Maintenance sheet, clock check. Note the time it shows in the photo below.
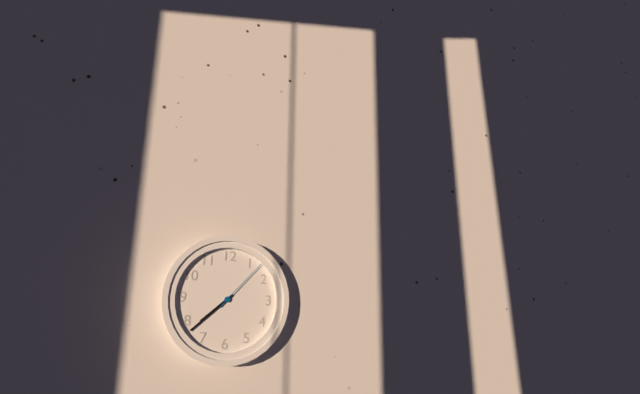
7:38:07
